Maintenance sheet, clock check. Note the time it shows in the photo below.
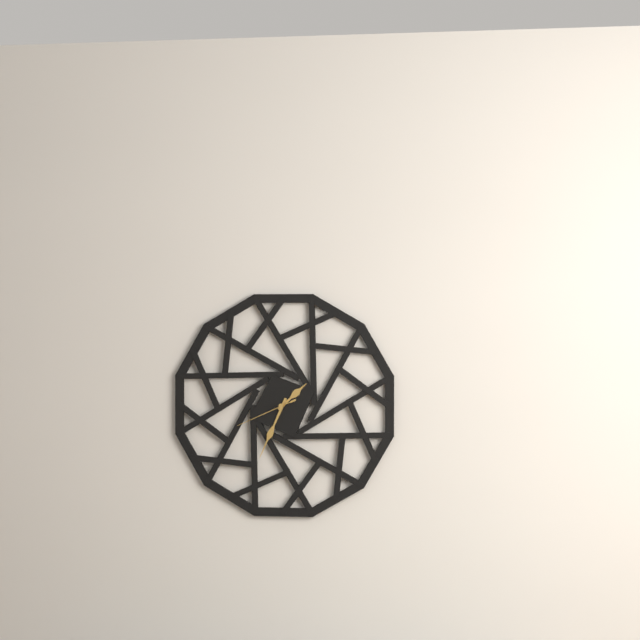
1:34:41
